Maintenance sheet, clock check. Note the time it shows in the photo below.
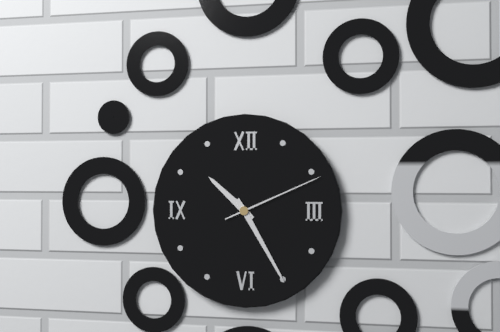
10:25:11
